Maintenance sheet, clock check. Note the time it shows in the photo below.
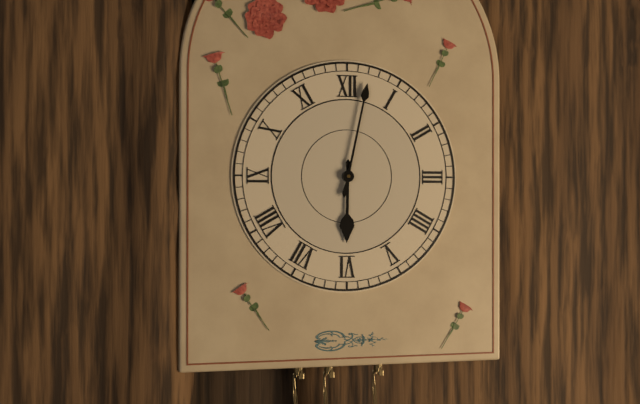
6:02
